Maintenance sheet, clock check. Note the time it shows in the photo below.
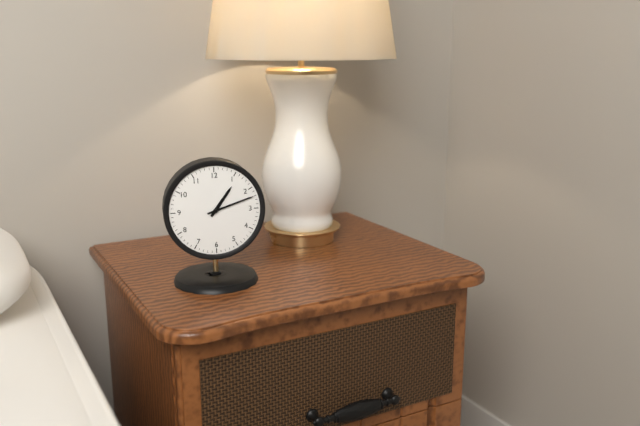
1:12
